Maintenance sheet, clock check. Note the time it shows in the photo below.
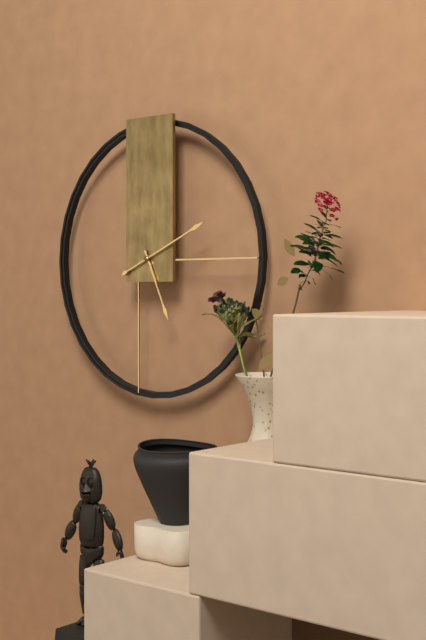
5:11
